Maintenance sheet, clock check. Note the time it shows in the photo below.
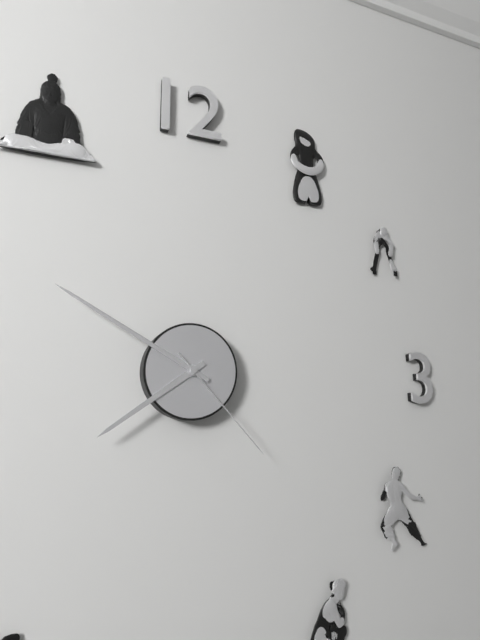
7:50:23
